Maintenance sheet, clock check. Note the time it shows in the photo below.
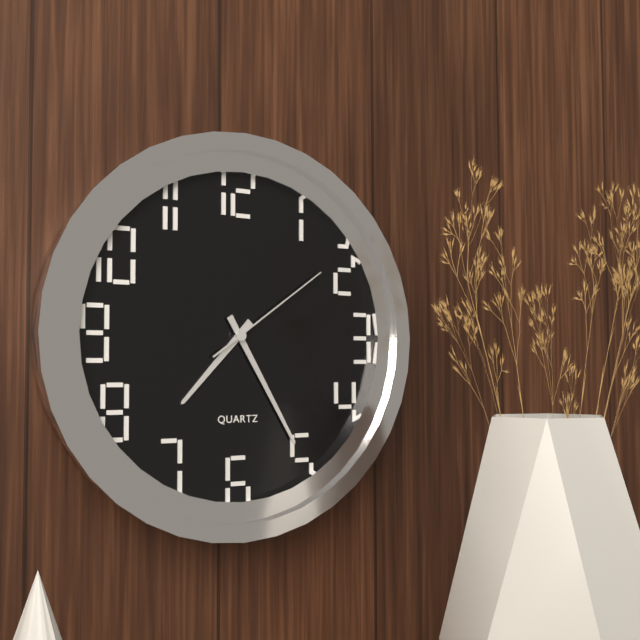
7:25:09
